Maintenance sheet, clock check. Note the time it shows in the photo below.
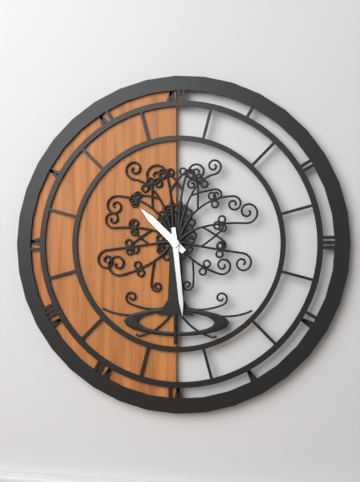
10:29
